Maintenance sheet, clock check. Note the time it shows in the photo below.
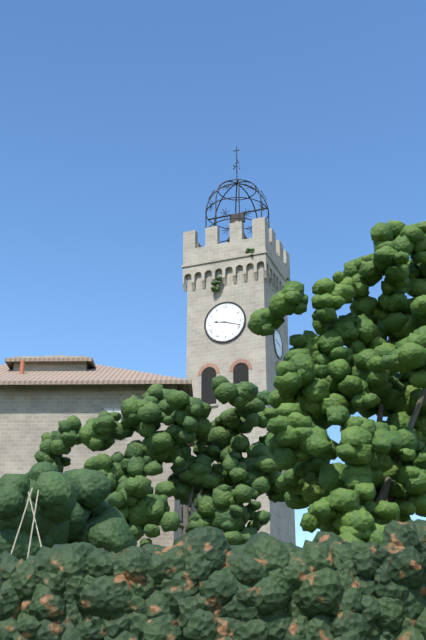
9:18
